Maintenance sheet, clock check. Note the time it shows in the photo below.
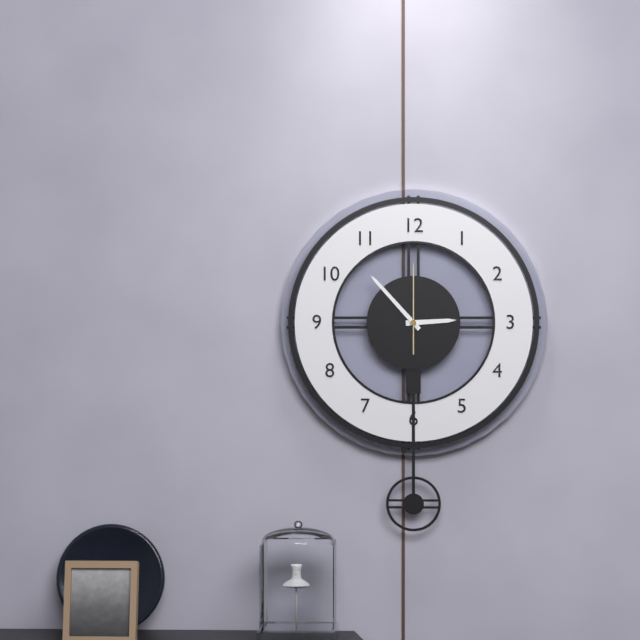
2:53:00
